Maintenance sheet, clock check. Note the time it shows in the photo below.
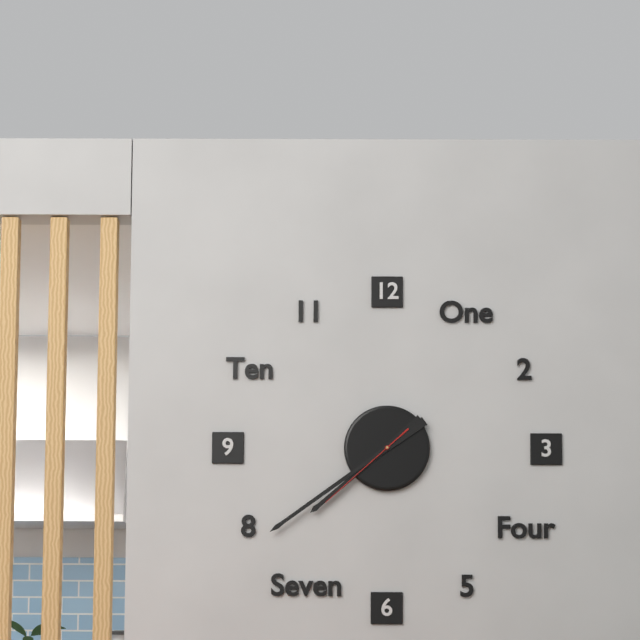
7:39:38
